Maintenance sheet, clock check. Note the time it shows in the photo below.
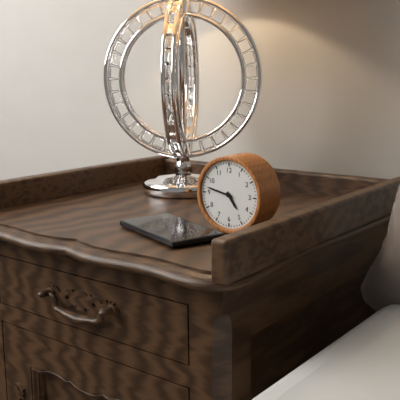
4:47
